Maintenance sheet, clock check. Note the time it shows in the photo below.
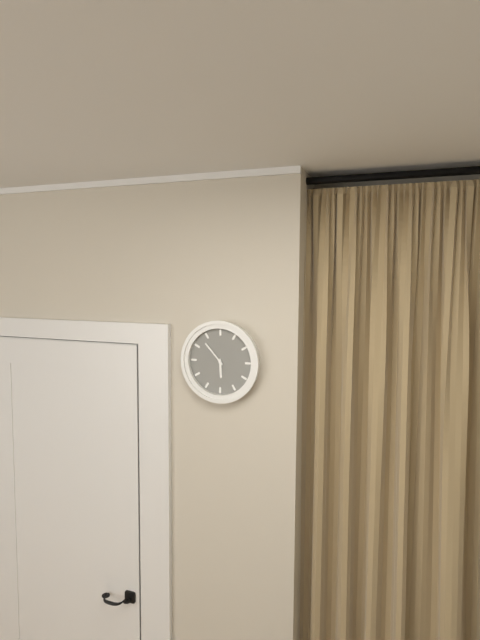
5:53
